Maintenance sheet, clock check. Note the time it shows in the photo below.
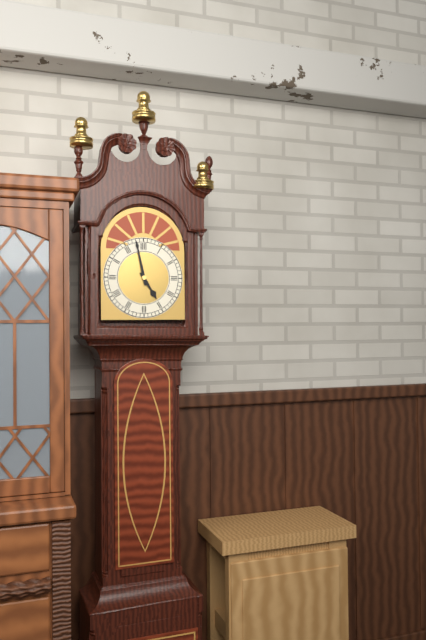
4:58
